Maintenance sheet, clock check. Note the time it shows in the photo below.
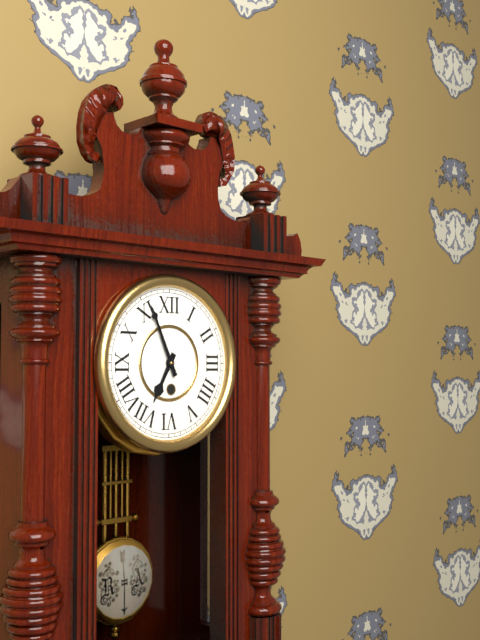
6:56
